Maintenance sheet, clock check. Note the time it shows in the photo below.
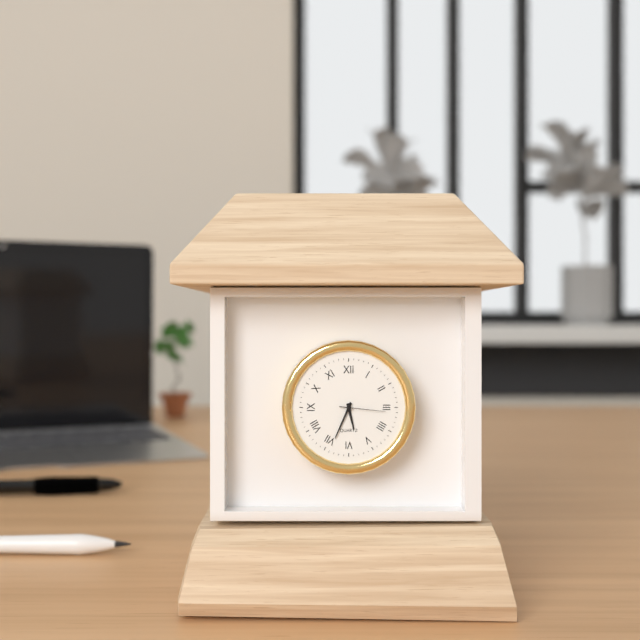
5:34
